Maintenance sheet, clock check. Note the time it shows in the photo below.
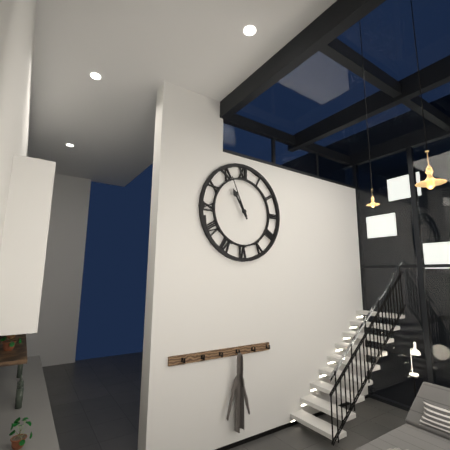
10:56
